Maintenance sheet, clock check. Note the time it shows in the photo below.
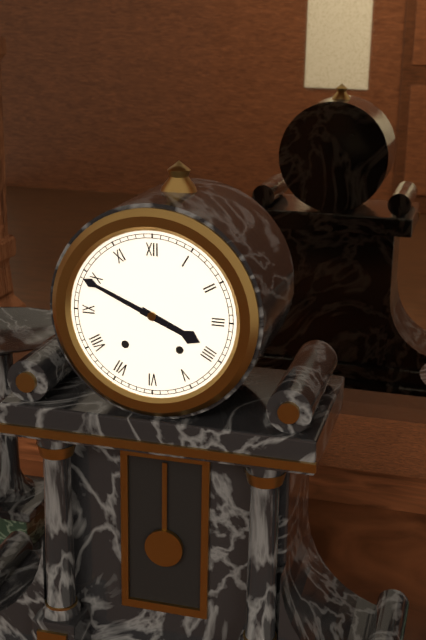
3:49
